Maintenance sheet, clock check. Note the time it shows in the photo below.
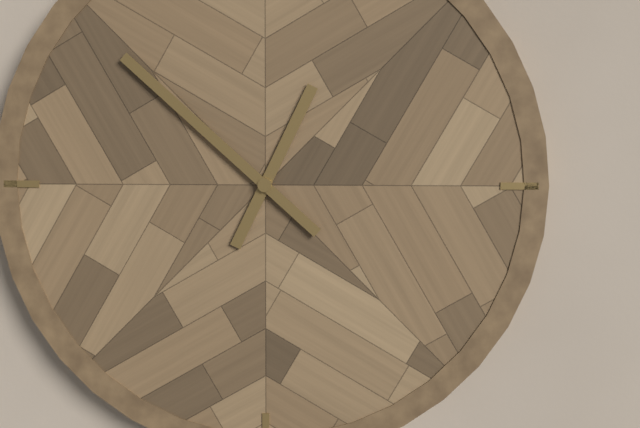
12:52
